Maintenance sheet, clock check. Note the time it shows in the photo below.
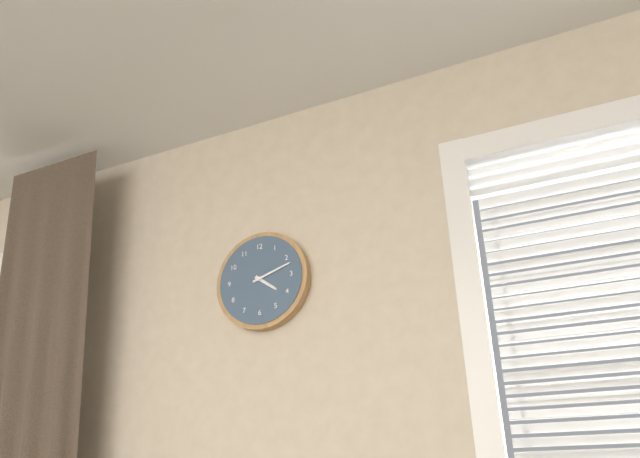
4:12
